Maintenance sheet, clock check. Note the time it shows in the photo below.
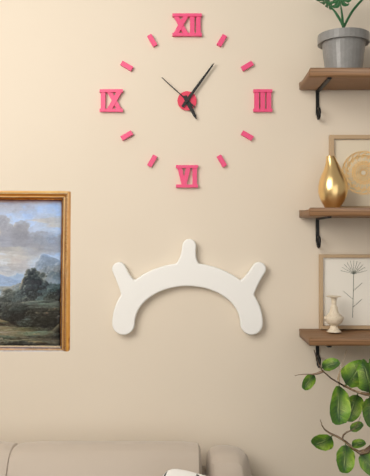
5:06
